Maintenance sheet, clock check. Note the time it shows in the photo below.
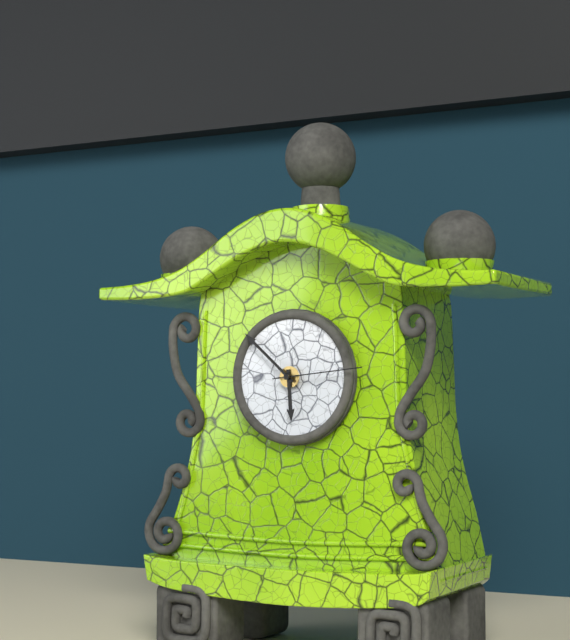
5:52:14
